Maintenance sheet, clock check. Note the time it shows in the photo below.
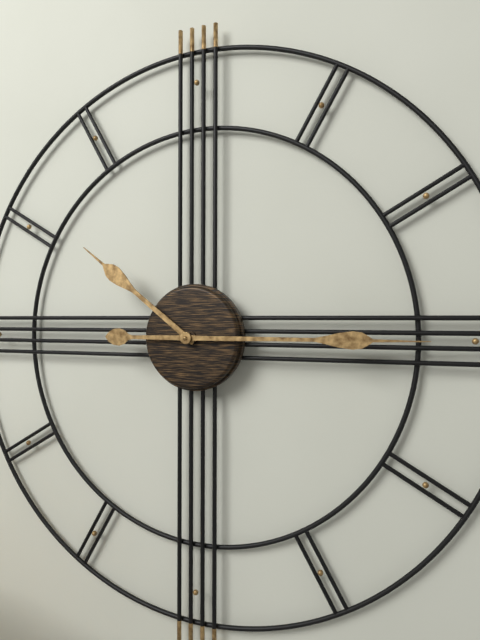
10:15
